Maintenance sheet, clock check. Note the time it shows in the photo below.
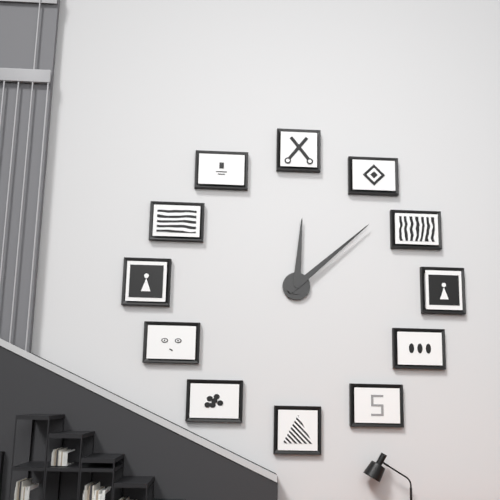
12:08
